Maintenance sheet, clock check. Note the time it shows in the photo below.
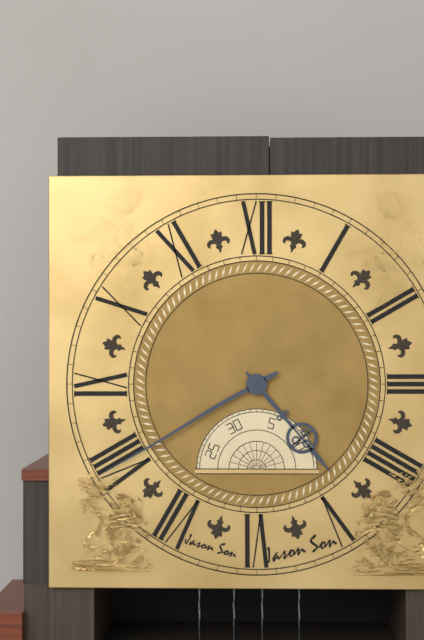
4:40
